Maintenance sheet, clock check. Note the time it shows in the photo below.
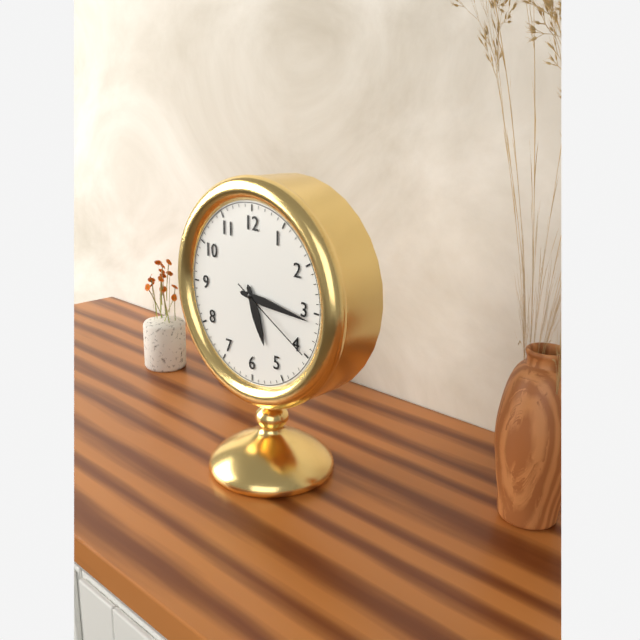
5:16:20
